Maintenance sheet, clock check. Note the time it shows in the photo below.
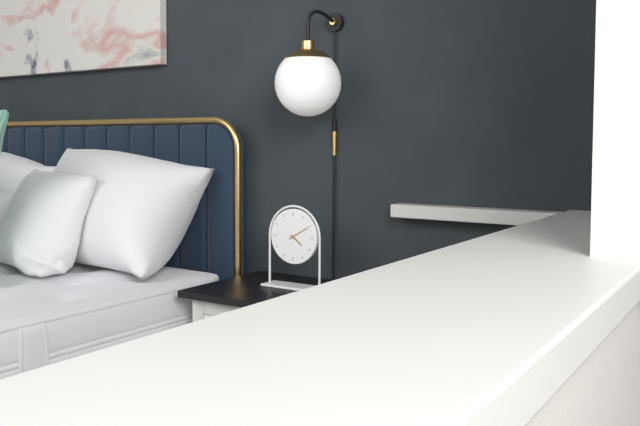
4:10
